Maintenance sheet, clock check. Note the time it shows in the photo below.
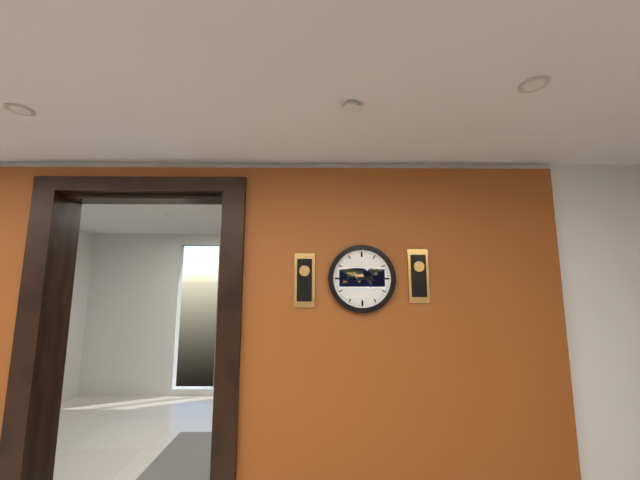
3:13
